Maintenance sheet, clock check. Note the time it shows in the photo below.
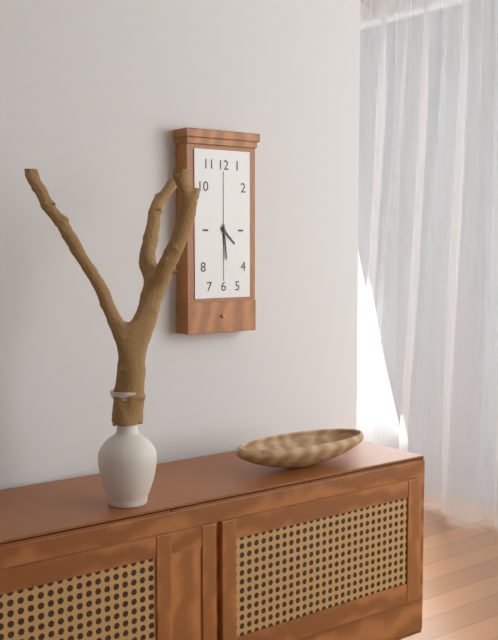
4:29
